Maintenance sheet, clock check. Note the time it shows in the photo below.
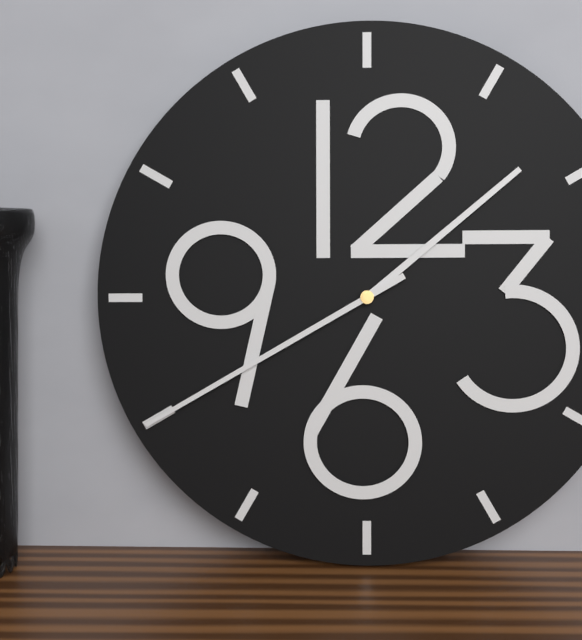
1:40
